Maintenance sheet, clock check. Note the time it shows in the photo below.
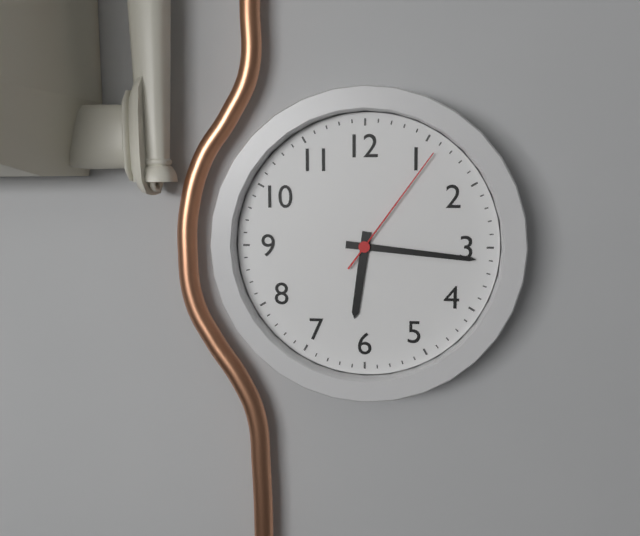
6:16:06
